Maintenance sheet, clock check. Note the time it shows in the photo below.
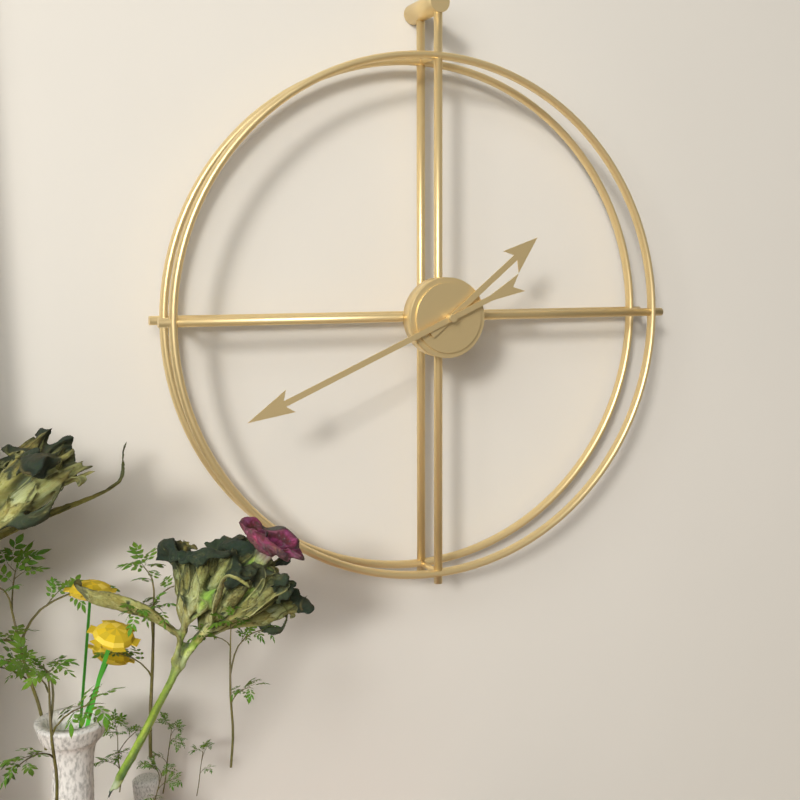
1:41
